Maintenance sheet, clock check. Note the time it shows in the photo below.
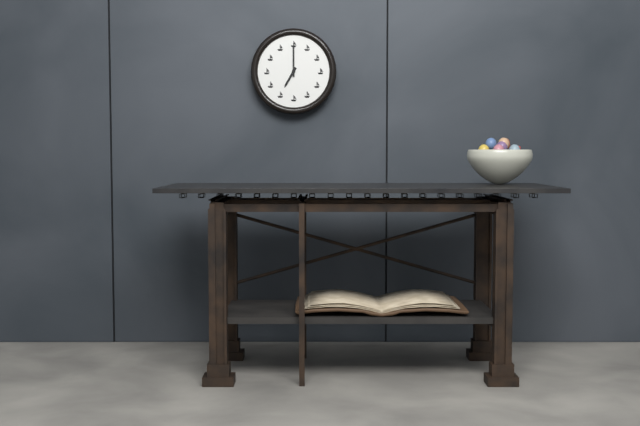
7:00
